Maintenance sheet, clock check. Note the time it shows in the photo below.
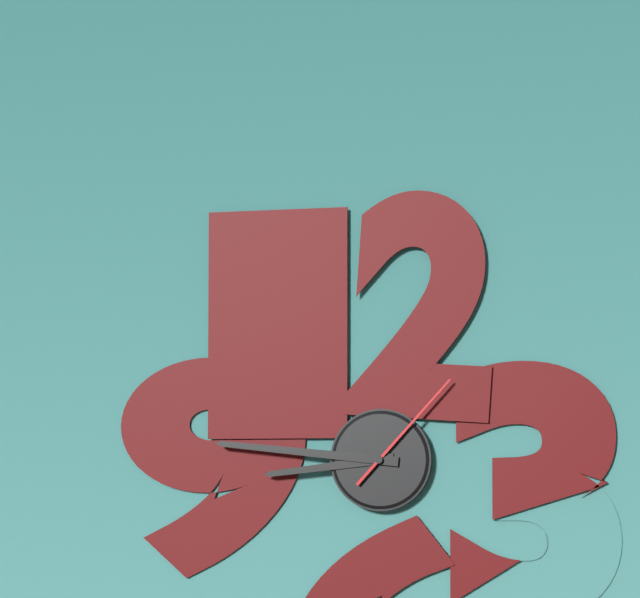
8:46:07
